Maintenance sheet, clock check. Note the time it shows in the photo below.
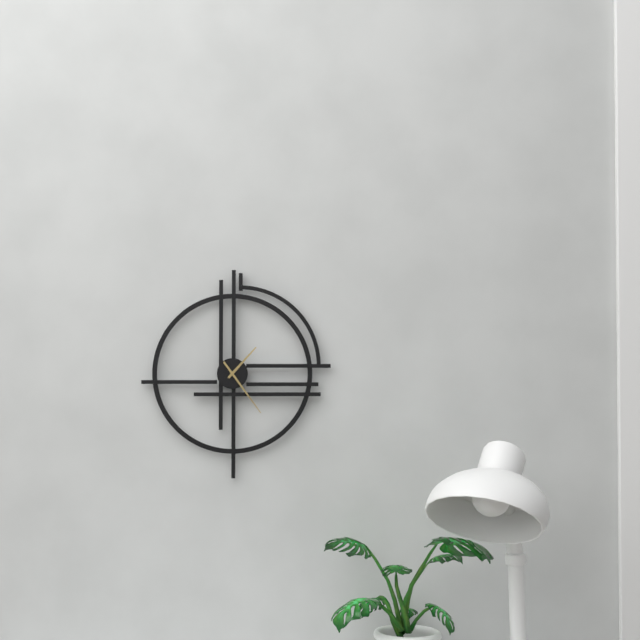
1:24
